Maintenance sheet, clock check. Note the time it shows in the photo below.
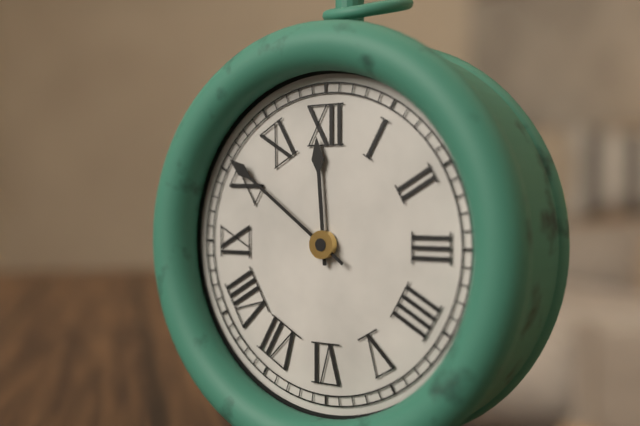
11:51
